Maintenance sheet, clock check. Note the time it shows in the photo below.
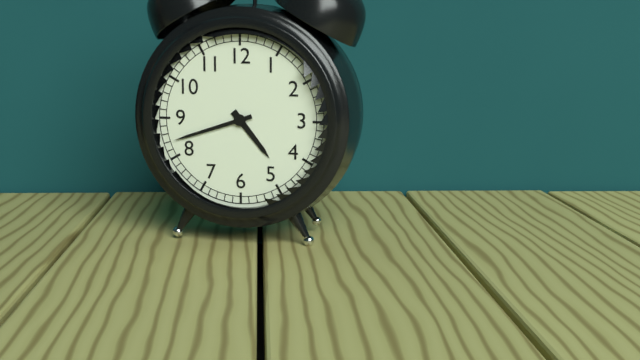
4:42
